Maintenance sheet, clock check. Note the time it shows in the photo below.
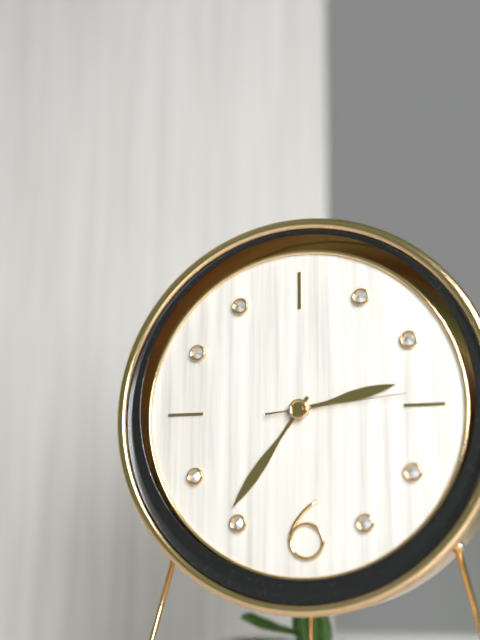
2:36:14
